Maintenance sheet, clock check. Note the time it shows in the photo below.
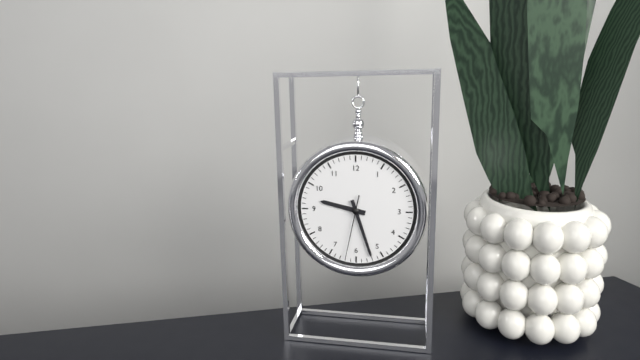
9:27:32
